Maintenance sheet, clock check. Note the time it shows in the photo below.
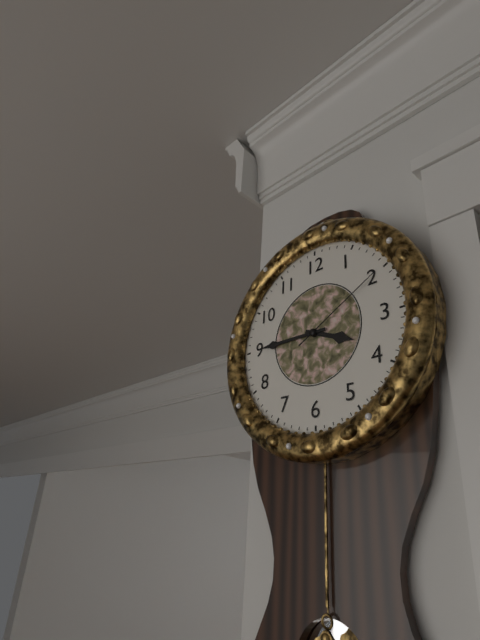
3:45:10
